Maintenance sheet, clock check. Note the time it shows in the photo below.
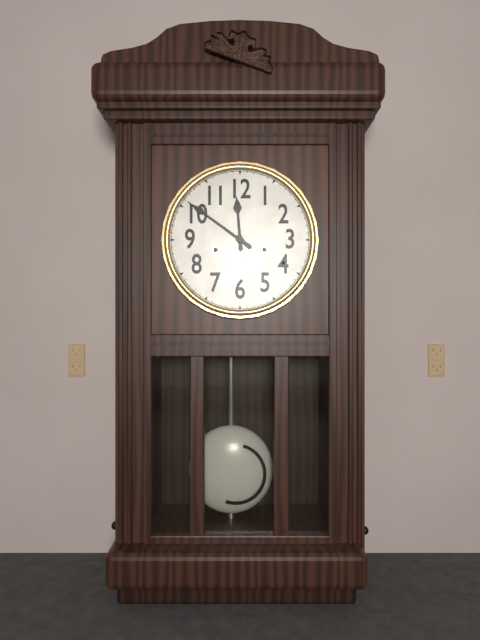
11:51
